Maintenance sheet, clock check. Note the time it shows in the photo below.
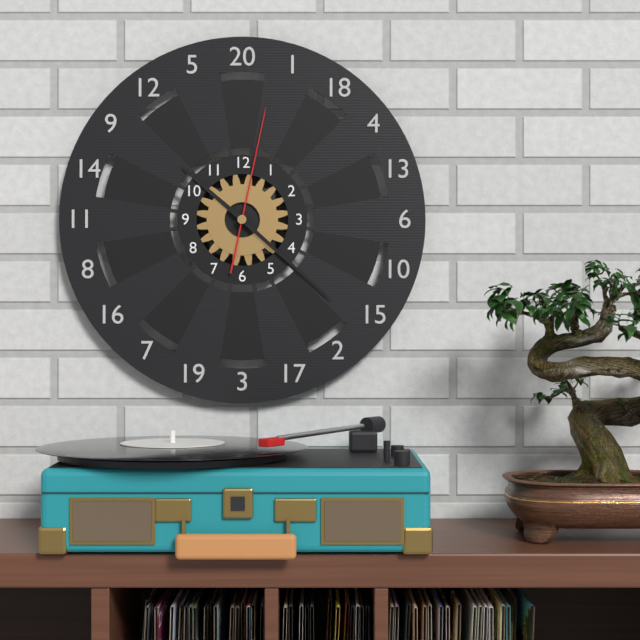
10:22:02
